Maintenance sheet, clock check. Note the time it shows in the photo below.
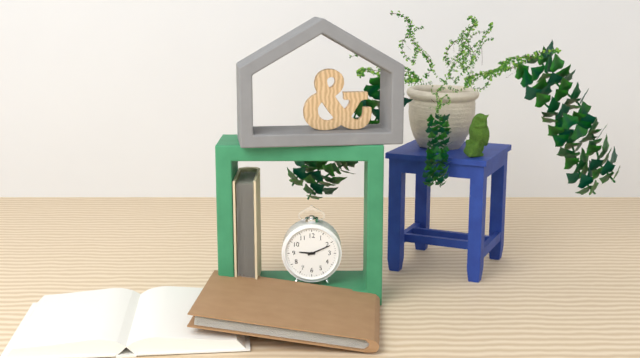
9:11
